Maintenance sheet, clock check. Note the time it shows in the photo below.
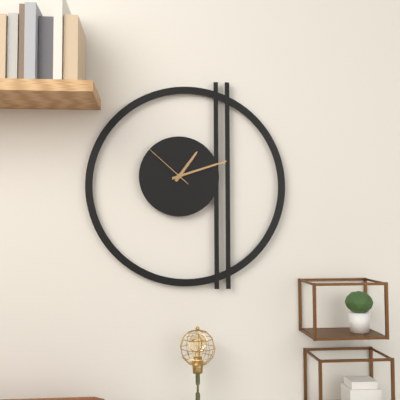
1:12:52
